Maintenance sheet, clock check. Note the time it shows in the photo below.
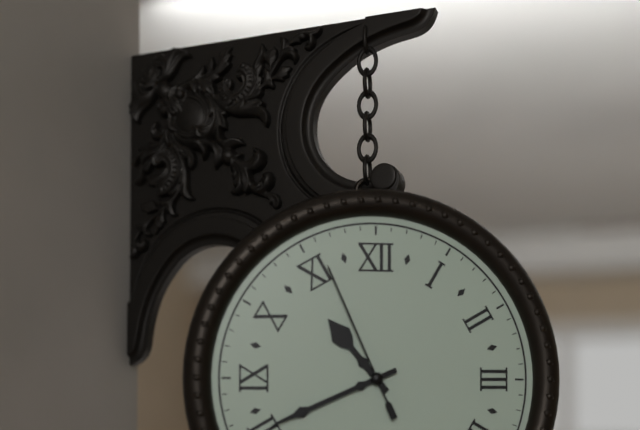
10:41:56
